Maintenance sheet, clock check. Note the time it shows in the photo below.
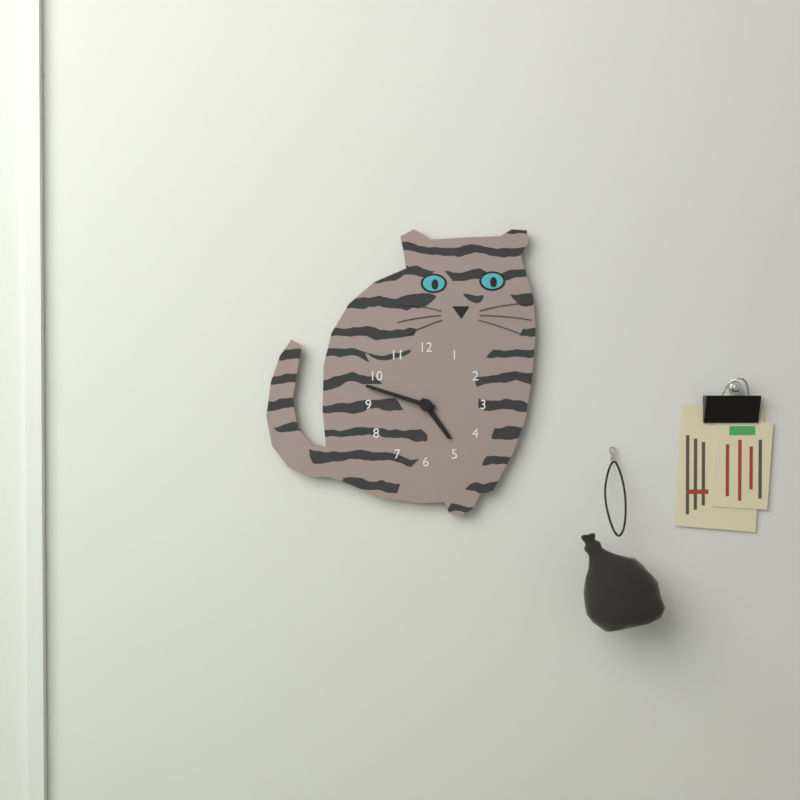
4:48
